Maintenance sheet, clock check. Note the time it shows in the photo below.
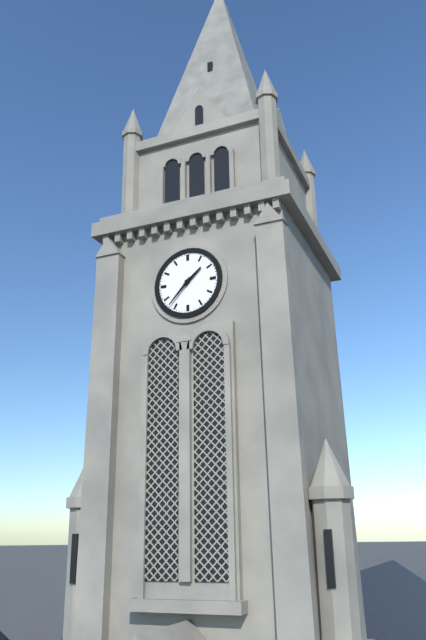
1:37
